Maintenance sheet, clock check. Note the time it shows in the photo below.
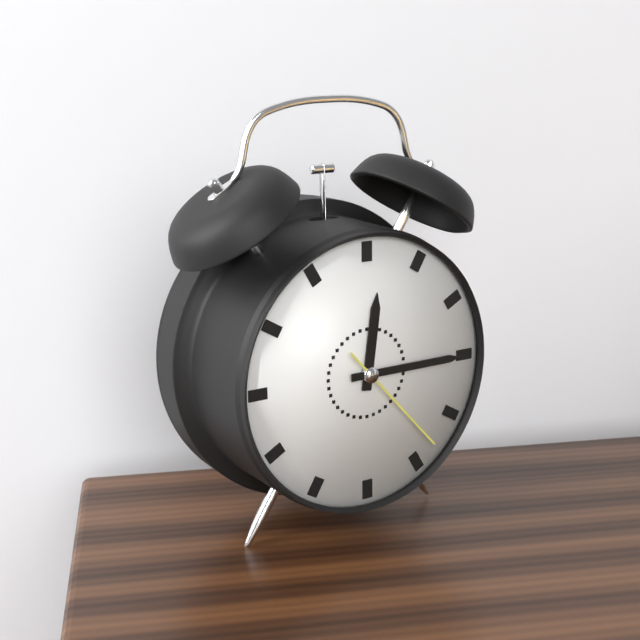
12:15:23
